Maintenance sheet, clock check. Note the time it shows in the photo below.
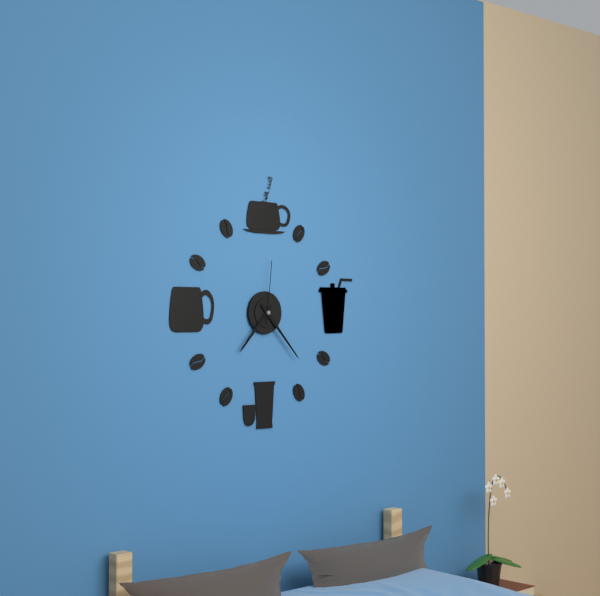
7:23:01
